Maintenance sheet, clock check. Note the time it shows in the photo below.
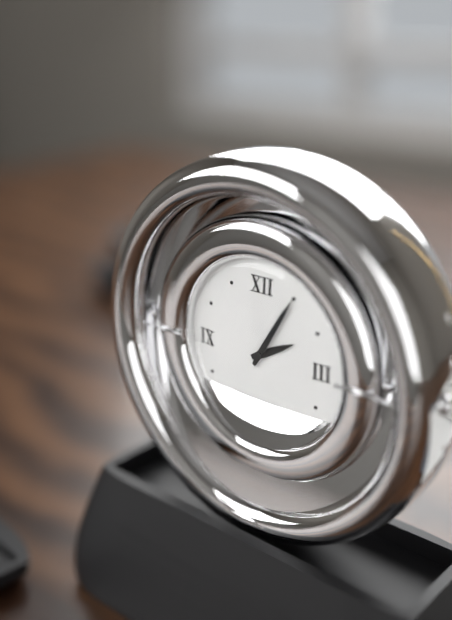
2:05
